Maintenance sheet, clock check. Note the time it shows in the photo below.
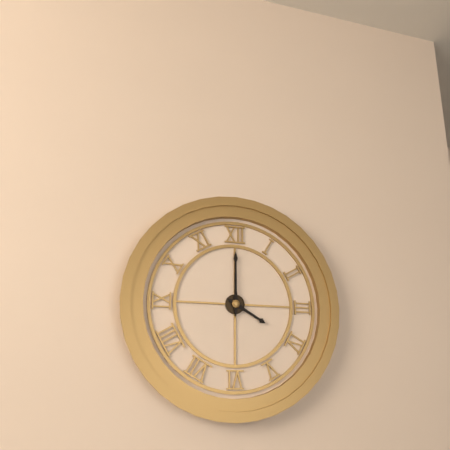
4:00
